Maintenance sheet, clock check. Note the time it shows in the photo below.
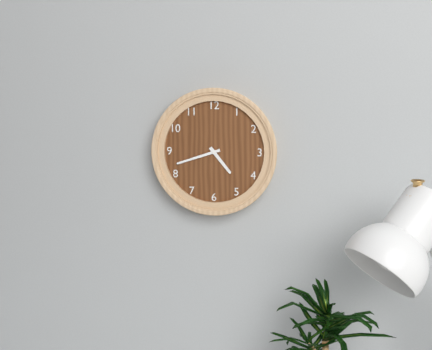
4:42
